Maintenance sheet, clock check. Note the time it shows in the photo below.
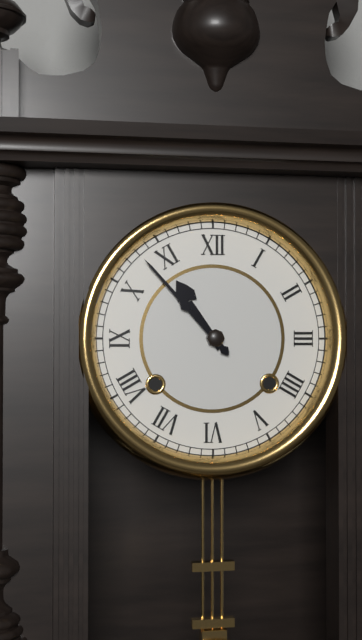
10:53
